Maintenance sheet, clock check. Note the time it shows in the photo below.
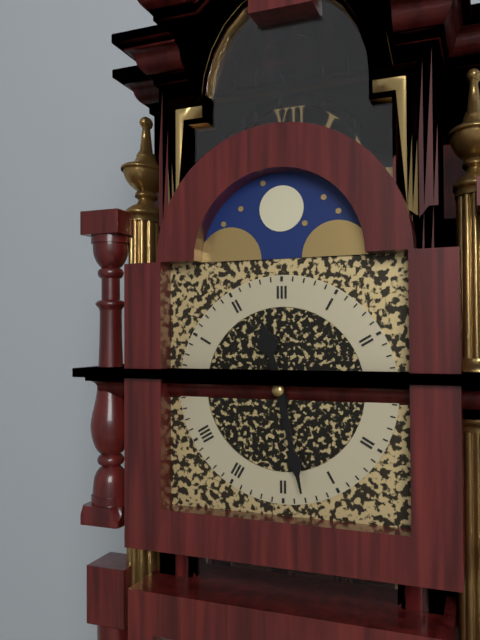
11:28
